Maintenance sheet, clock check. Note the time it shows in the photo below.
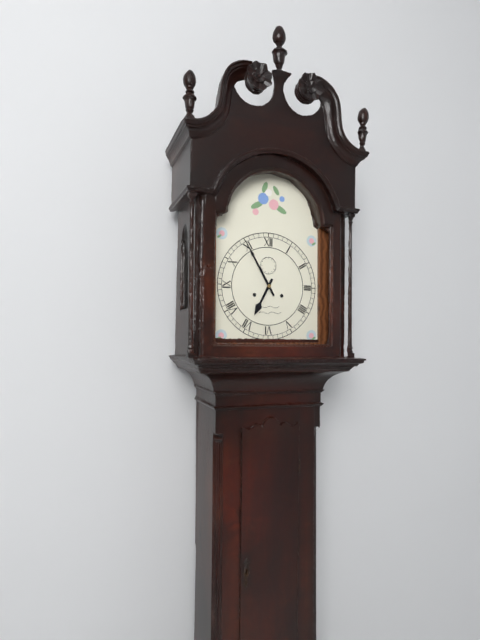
6:55
